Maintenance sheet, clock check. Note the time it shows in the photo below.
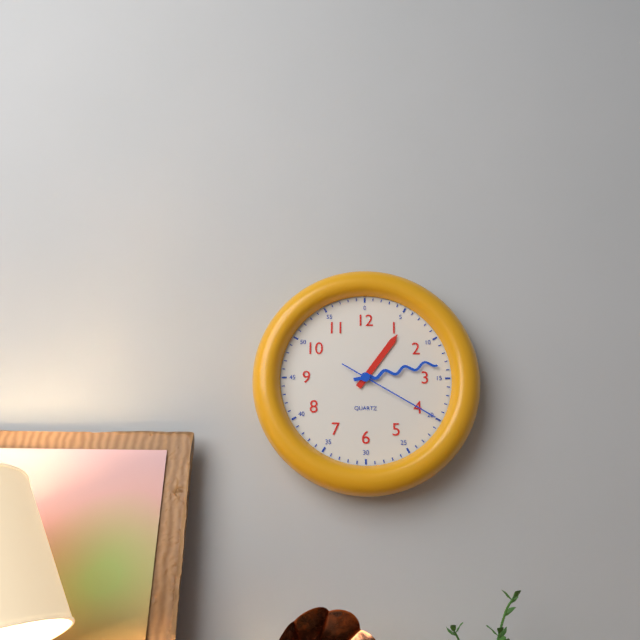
1:13:20
